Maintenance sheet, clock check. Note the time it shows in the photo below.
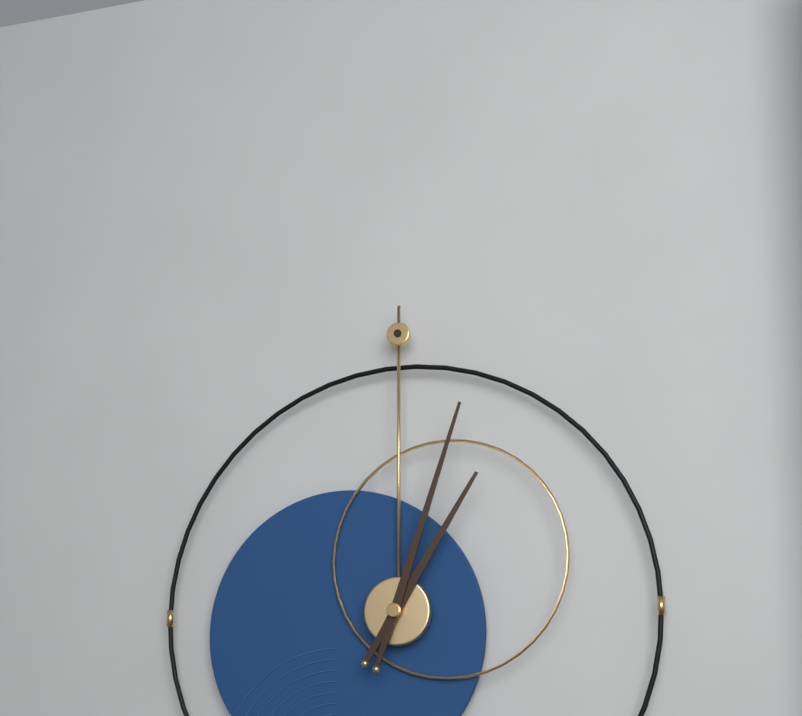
1:03
